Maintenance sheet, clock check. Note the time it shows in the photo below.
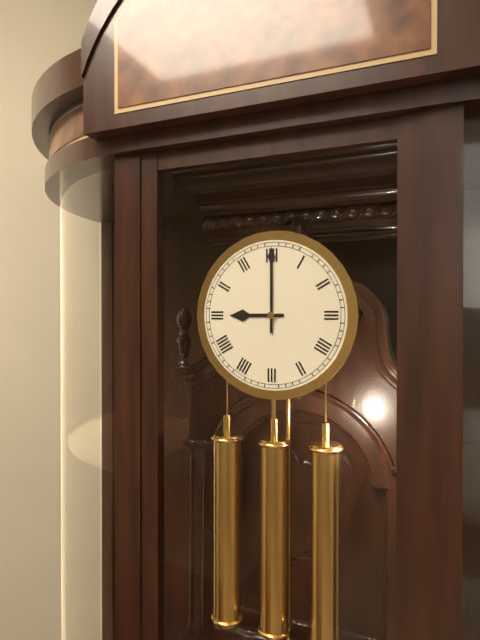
9:00
